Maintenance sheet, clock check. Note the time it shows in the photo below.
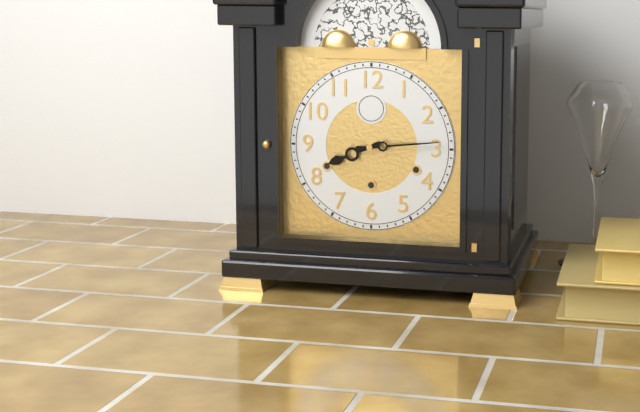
8:14
